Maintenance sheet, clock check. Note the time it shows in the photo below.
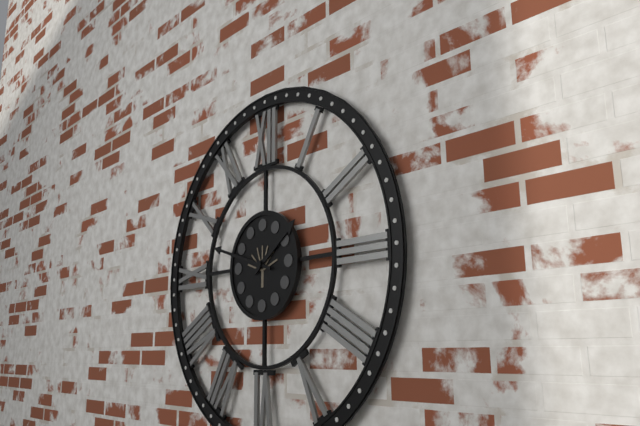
1:48
